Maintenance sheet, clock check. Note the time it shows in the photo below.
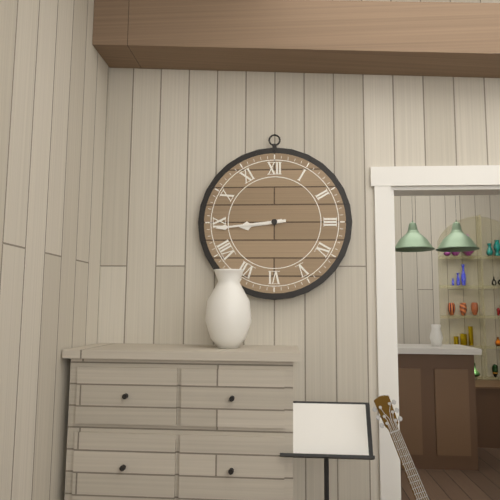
8:44
